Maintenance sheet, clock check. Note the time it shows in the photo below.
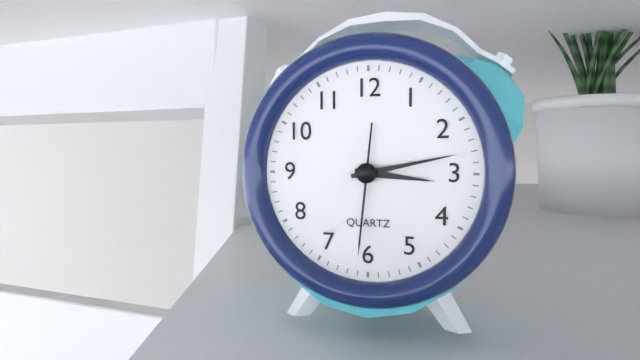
3:13:31
